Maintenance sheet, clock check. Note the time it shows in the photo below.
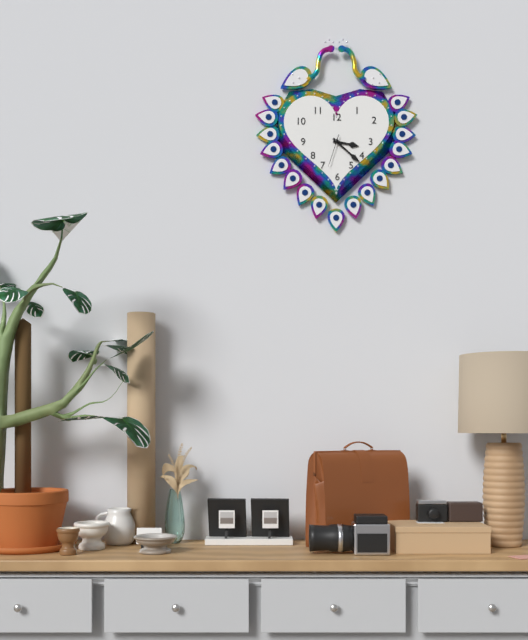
3:22
